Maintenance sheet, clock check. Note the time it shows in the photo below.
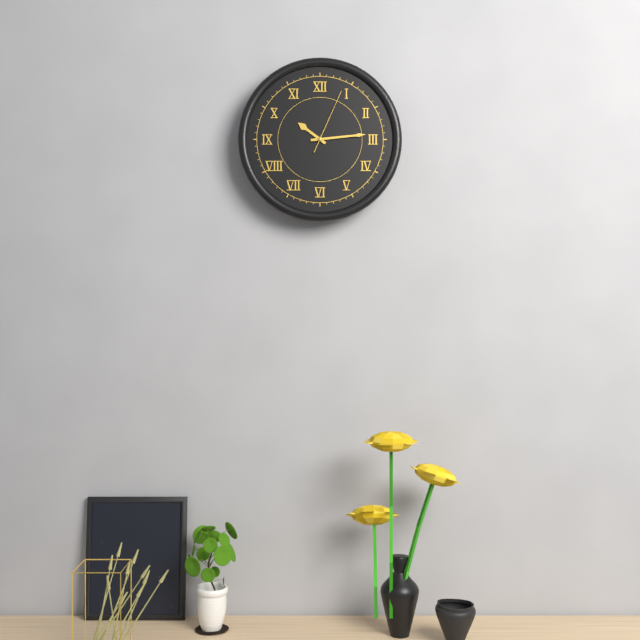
10:14:04
